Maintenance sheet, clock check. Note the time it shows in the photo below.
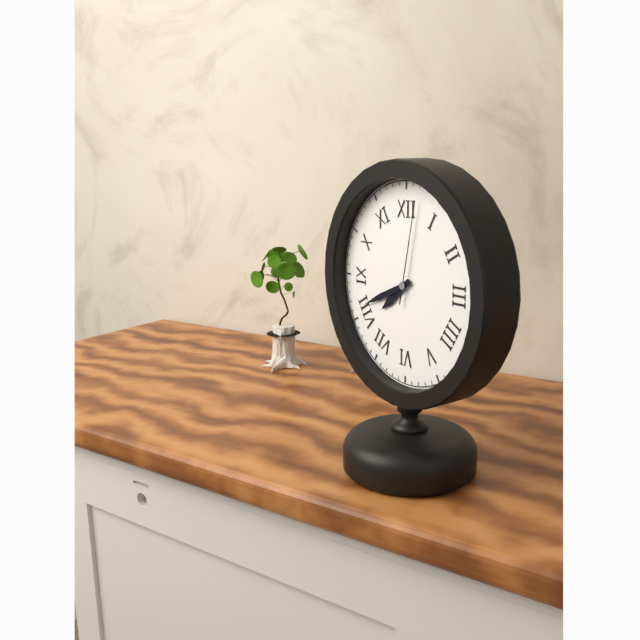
7:41:02
